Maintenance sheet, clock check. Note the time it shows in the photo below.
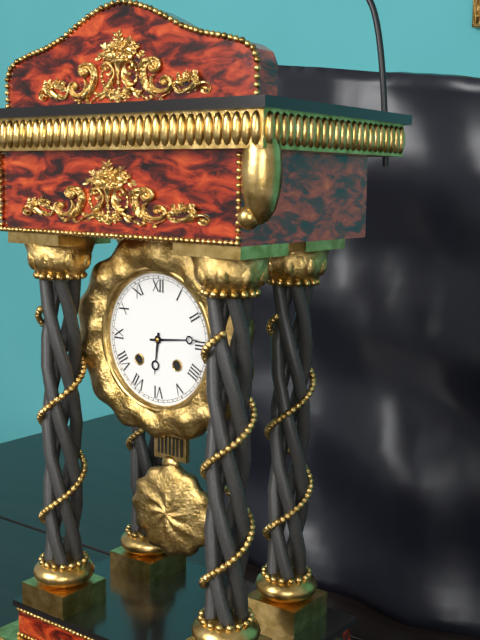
6:14
